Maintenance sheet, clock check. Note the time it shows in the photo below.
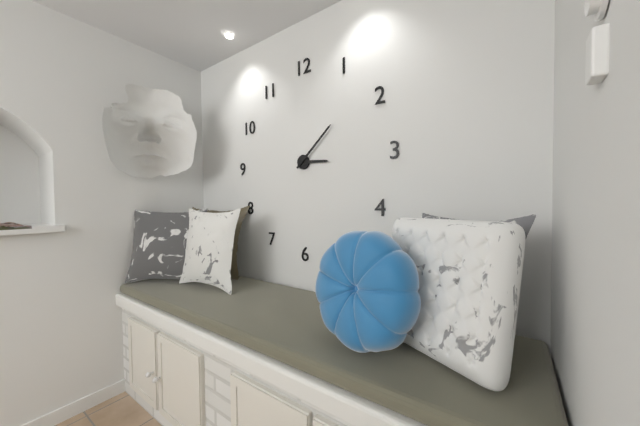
3:08
